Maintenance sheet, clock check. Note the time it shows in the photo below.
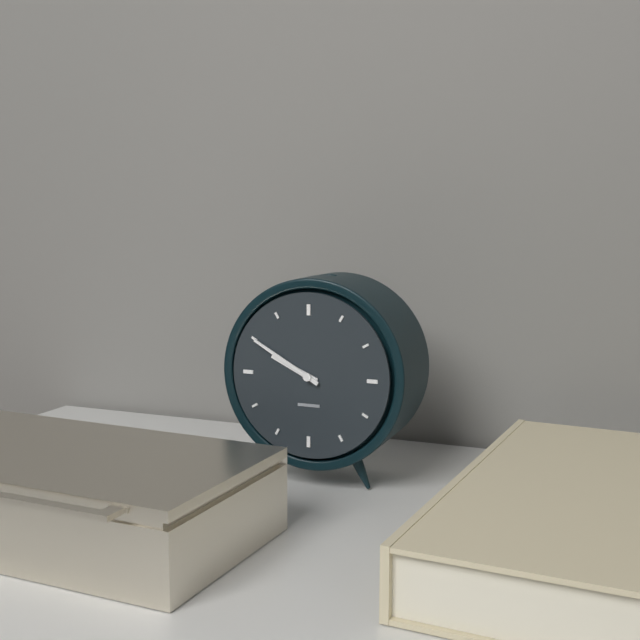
9:50
